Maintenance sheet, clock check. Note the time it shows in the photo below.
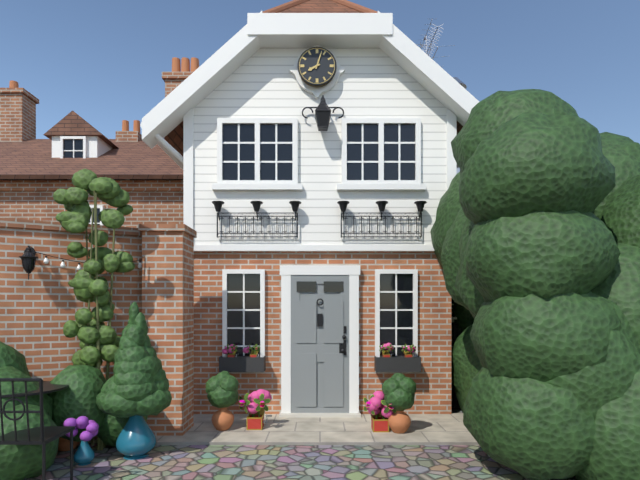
8:03
